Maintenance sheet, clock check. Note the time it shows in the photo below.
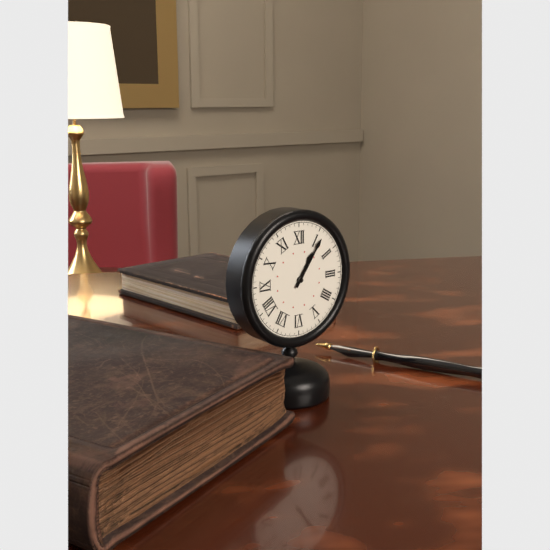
1:06
